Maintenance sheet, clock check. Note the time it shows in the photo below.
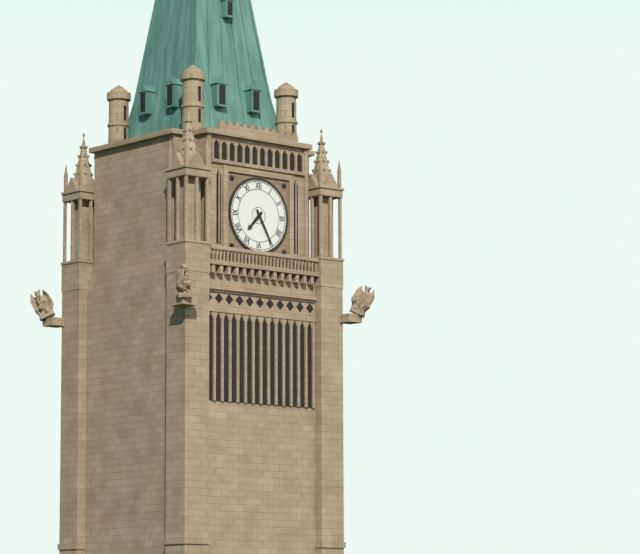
7:25
